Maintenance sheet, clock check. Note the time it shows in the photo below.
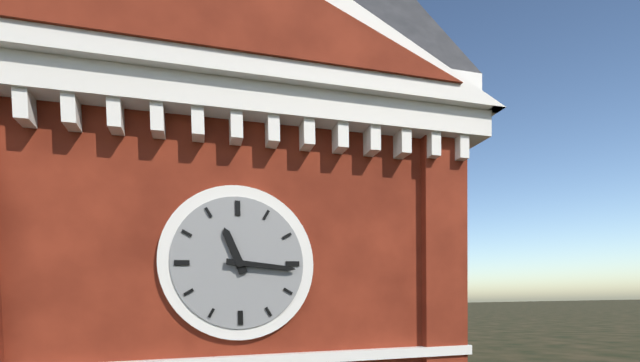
11:16
